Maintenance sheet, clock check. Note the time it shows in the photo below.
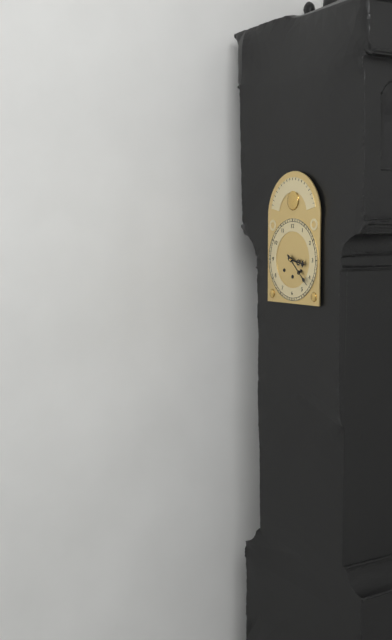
3:22
